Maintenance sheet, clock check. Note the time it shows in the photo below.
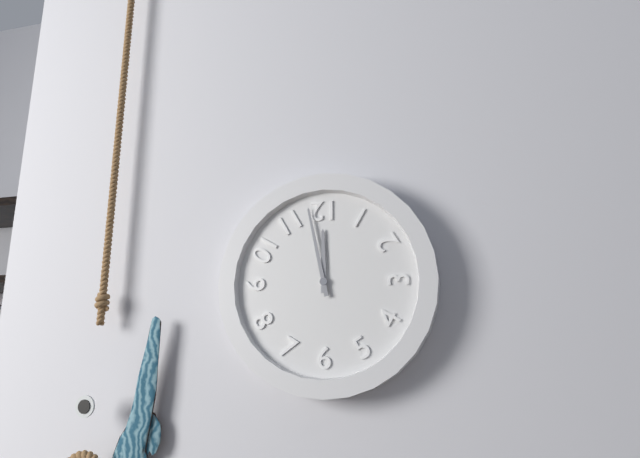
11:58
